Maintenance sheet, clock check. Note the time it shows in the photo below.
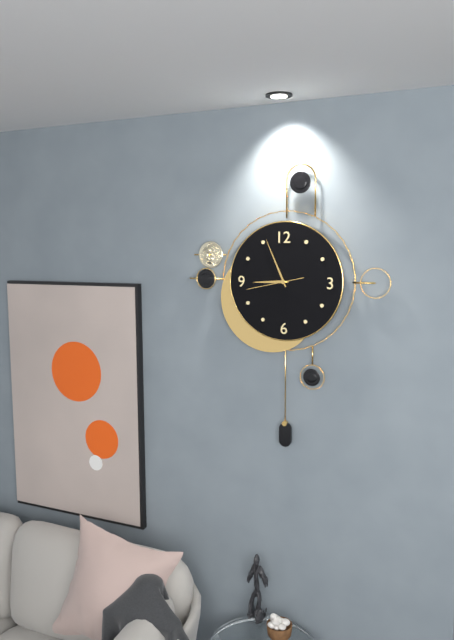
8:56
